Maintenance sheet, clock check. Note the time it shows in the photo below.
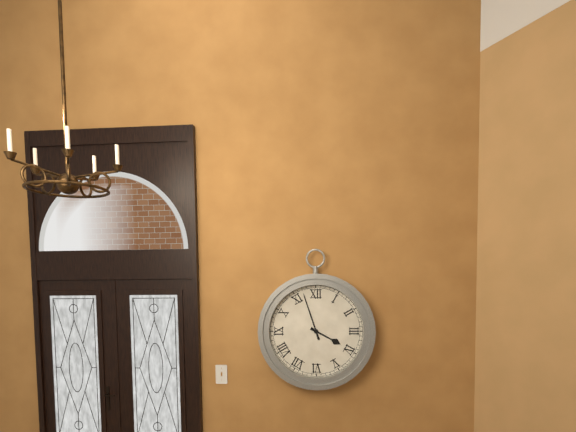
3:57
